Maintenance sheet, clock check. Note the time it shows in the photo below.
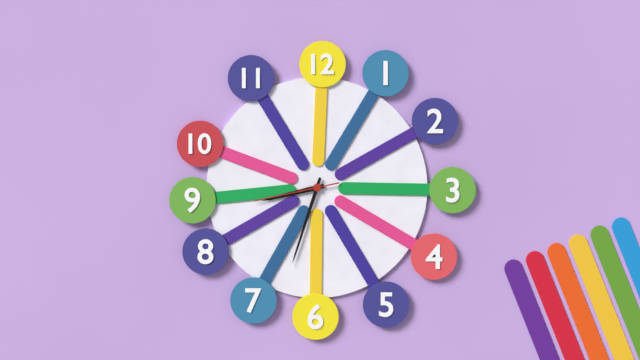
8:33:43
